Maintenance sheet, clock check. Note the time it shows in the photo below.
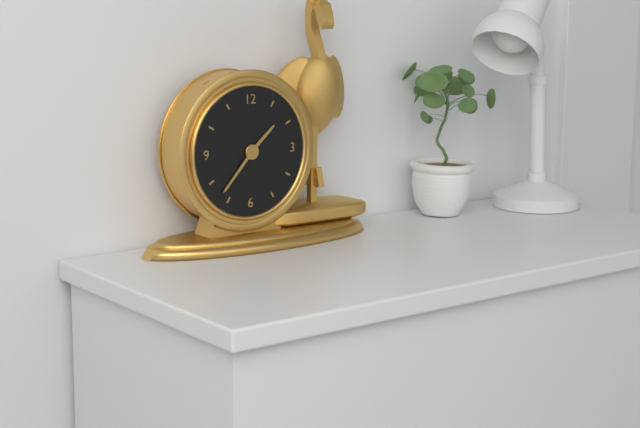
1:37
